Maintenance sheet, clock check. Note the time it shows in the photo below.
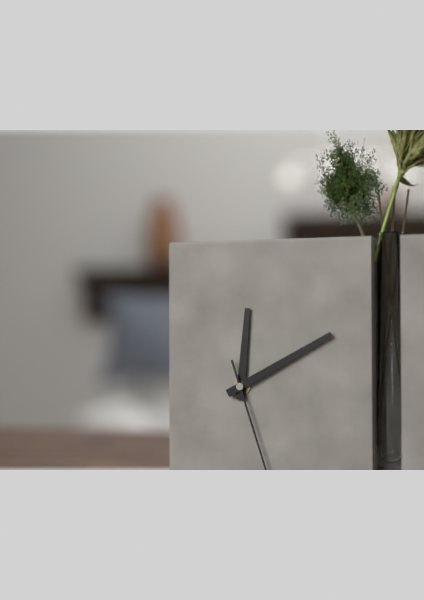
12:10:27
